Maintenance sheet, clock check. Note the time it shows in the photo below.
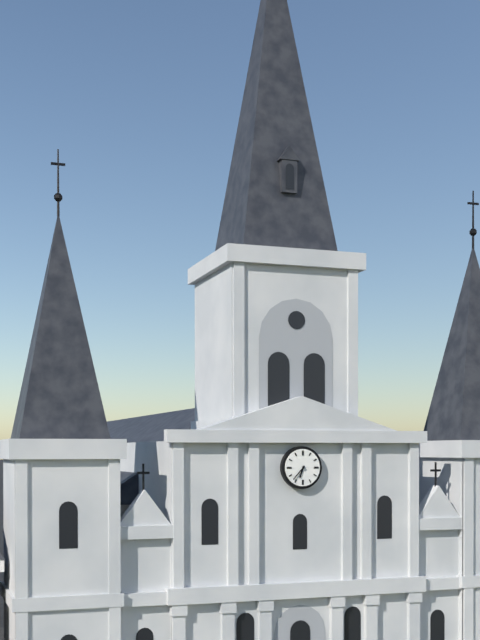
6:37
